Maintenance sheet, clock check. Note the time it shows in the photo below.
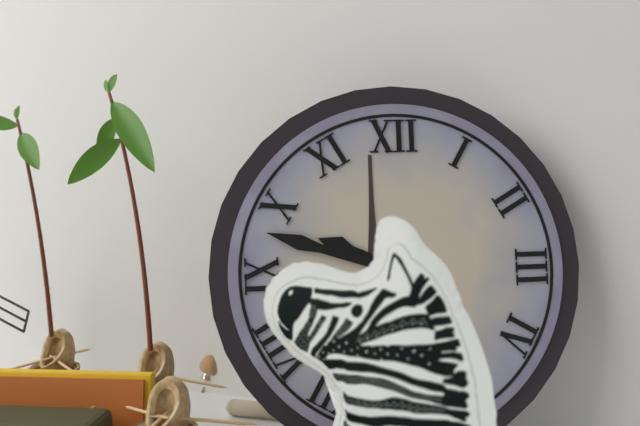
9:48
